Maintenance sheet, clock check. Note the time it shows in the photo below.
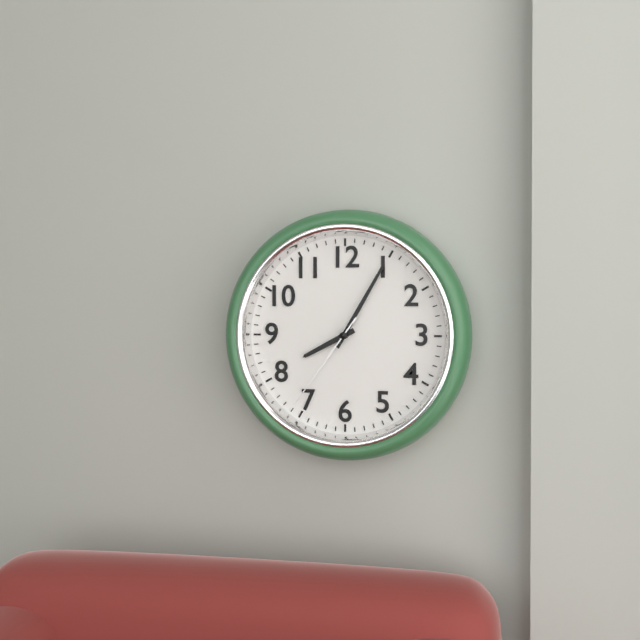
8:05:36
